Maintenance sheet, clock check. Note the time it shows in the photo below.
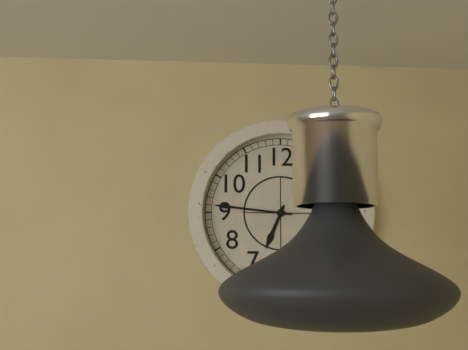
6:46
